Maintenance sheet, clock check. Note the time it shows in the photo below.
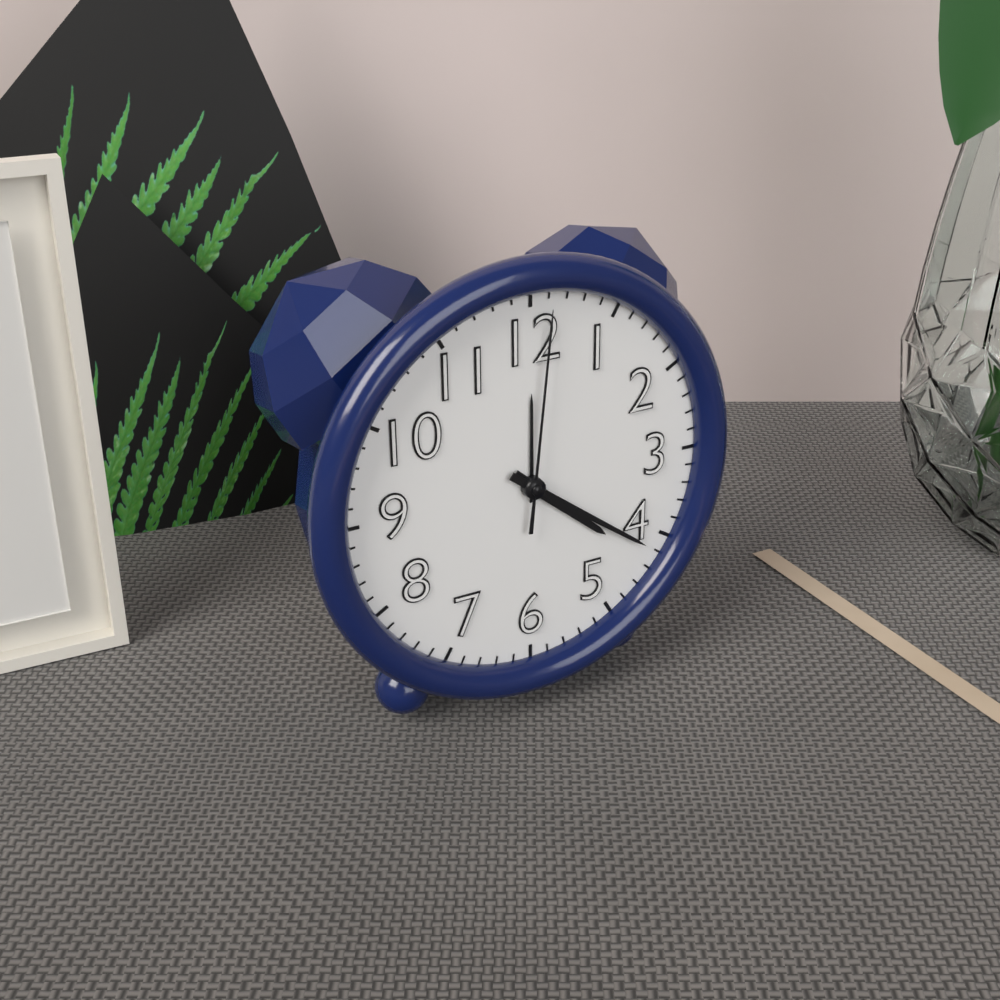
4:21:01
